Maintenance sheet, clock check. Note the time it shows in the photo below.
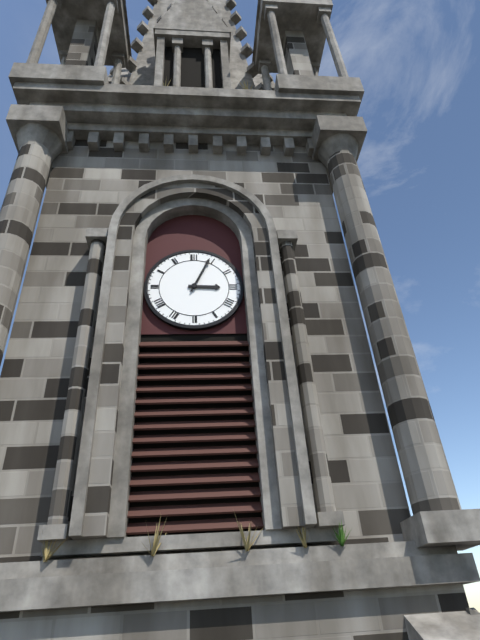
3:04
